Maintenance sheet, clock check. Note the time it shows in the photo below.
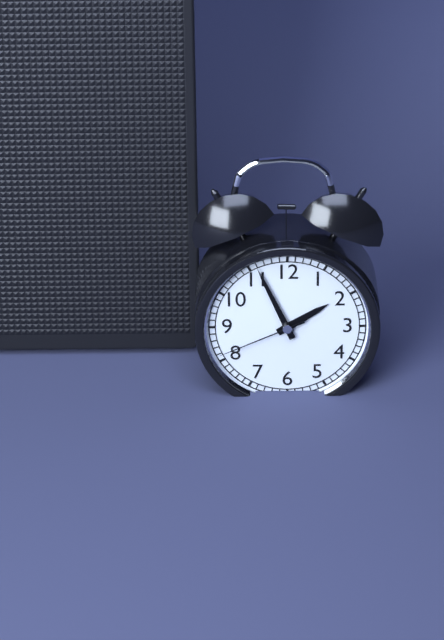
1:56:41
